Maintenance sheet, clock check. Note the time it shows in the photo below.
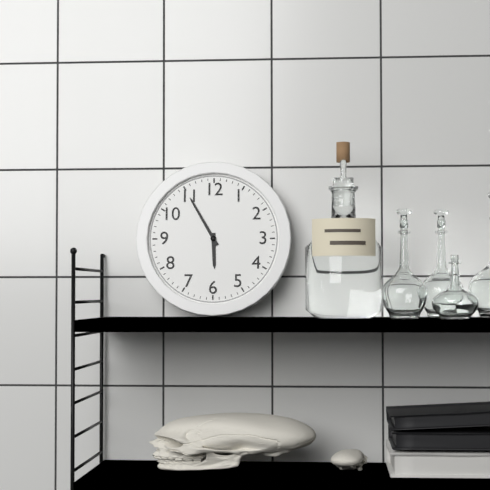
5:55
